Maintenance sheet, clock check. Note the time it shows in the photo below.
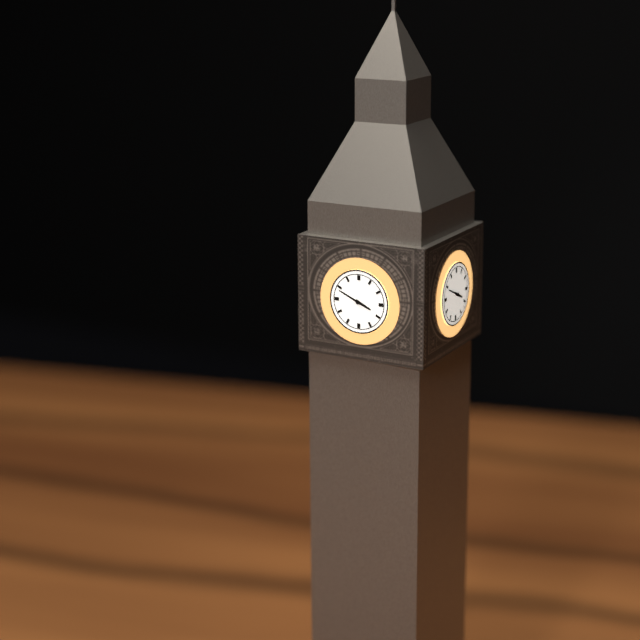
3:49
